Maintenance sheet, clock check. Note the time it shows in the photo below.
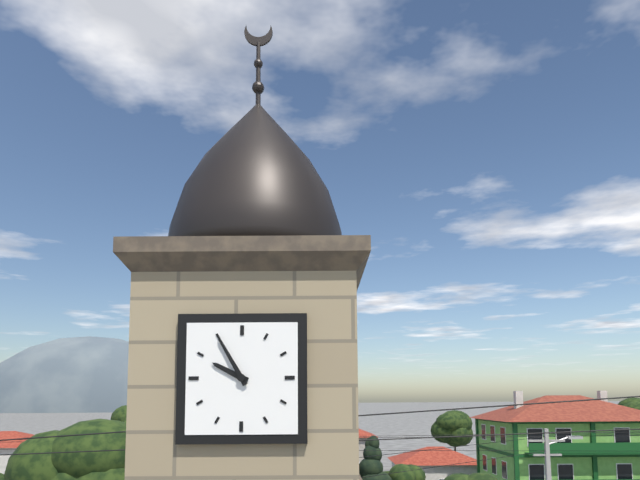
9:55
